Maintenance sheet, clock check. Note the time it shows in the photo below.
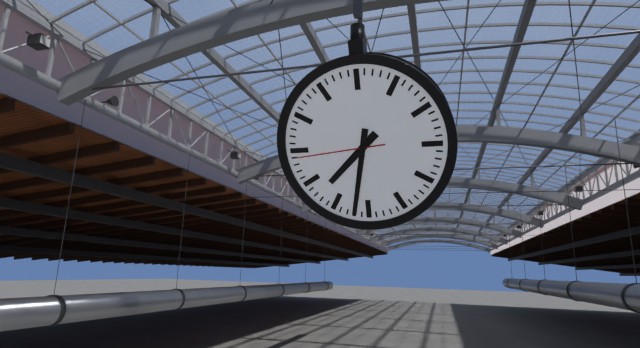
7:32:44
